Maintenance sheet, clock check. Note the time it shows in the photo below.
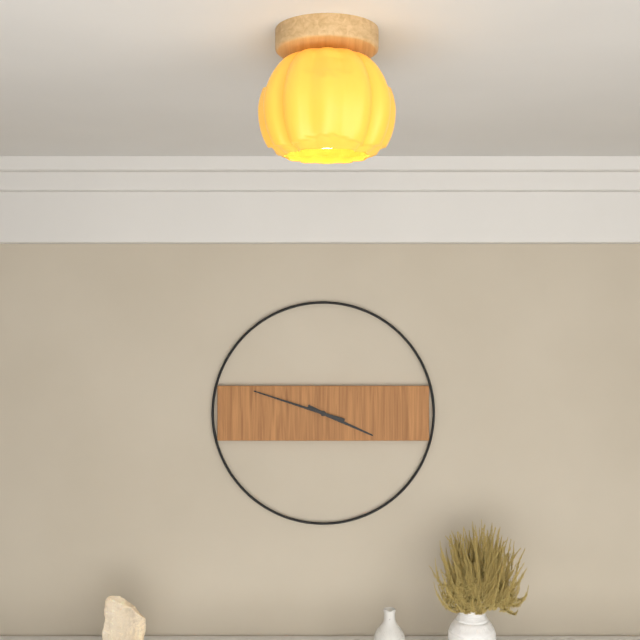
3:48
